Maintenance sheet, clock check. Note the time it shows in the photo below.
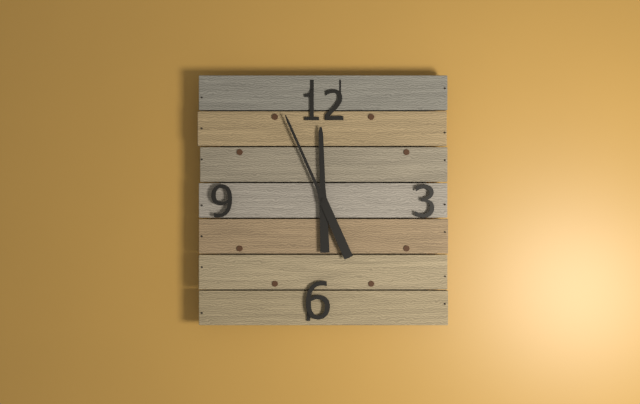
11:56
